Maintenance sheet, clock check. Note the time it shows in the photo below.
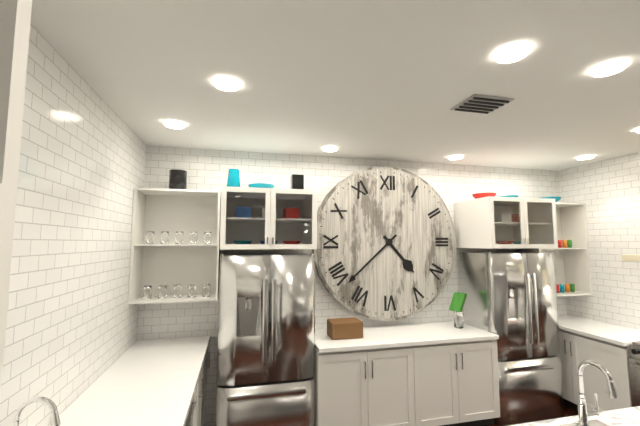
4:38
